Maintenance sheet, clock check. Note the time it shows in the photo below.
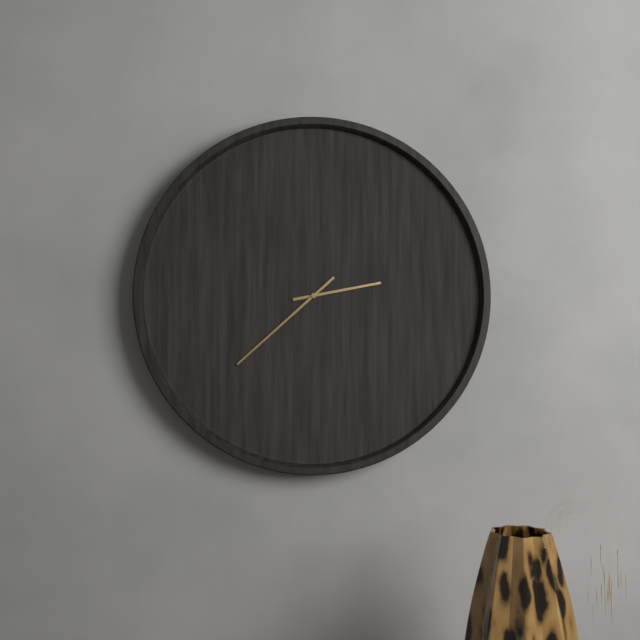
2:38
